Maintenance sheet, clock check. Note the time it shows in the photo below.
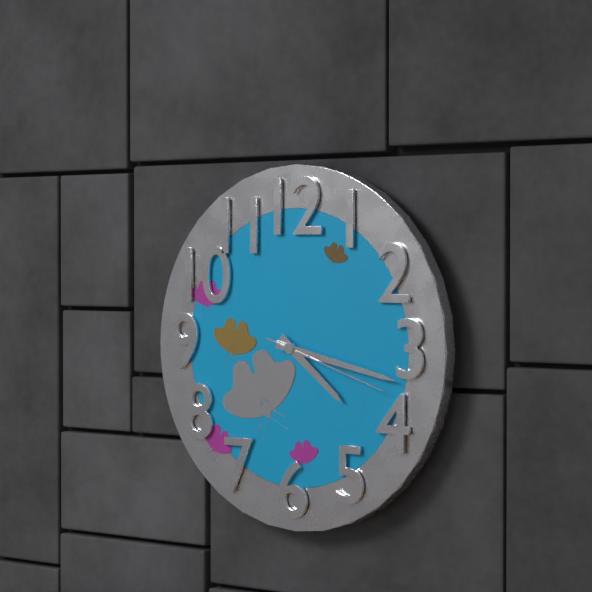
4:17:18
